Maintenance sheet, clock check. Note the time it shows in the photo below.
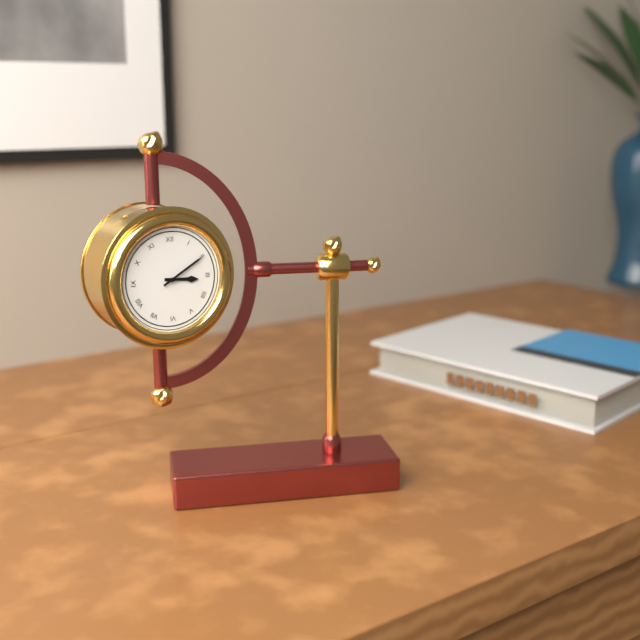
3:10
